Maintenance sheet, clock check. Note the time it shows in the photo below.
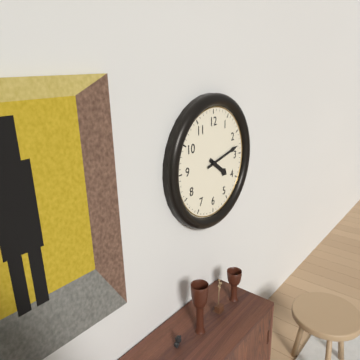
4:13
